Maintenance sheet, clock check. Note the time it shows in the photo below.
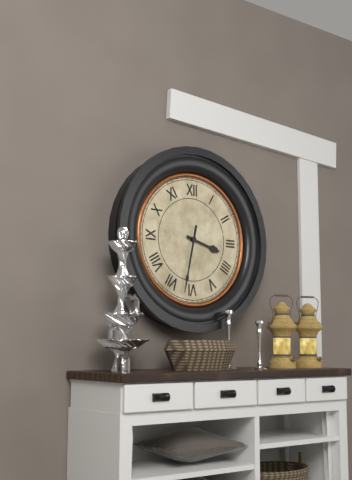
3:32
